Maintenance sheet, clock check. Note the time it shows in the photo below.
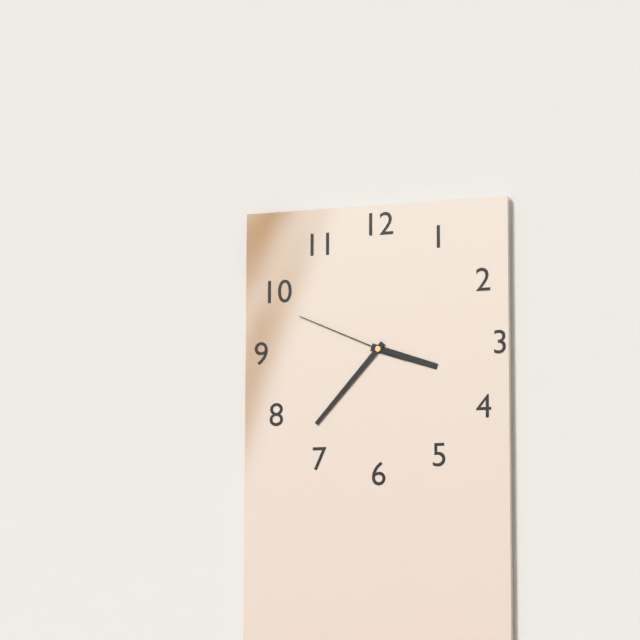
3:37:49
